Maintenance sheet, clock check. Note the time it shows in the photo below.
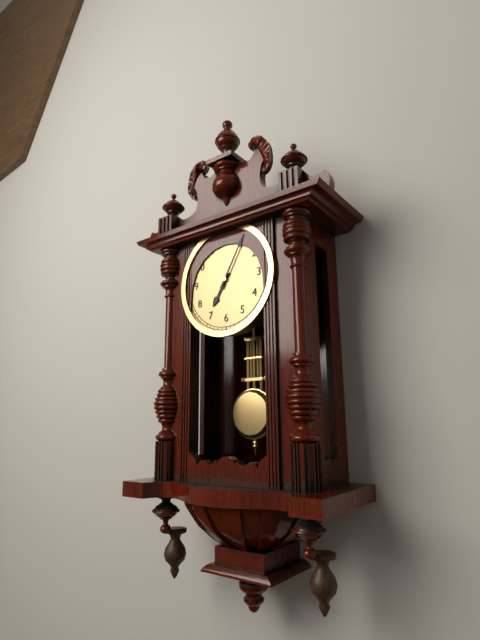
7:05
